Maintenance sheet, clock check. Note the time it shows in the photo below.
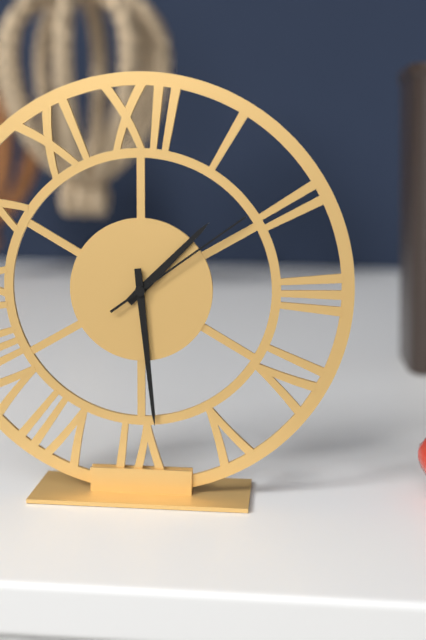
1:29:09
